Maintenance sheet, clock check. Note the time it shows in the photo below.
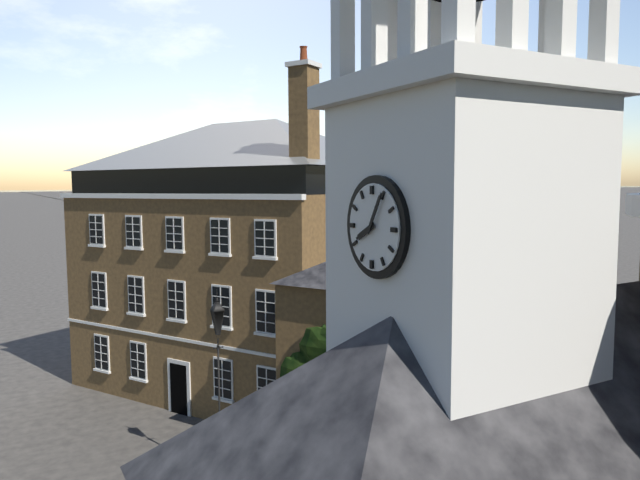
8:05
